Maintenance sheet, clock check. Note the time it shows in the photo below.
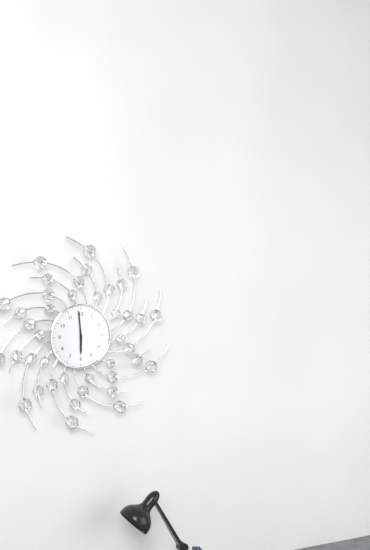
5:59
